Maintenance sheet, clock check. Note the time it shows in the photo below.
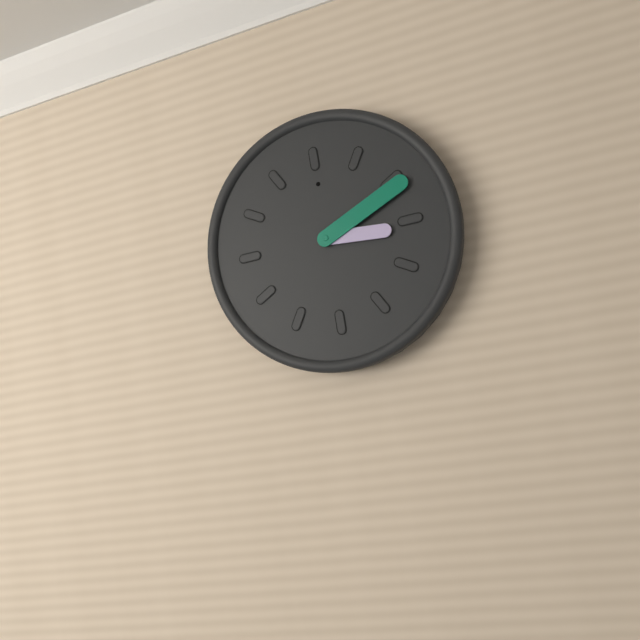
3:11
